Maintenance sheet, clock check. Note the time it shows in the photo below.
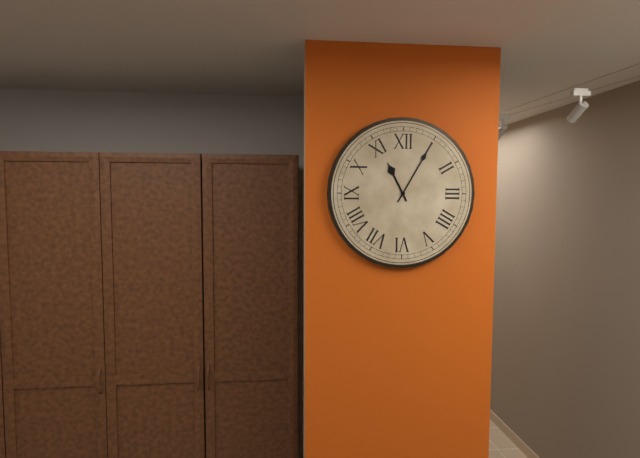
11:05
